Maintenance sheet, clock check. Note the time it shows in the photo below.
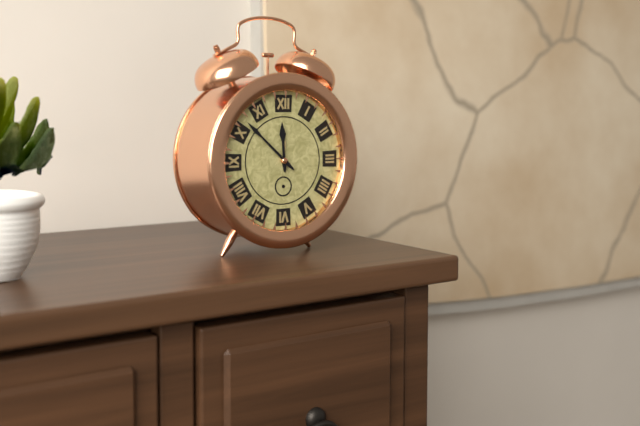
11:52
